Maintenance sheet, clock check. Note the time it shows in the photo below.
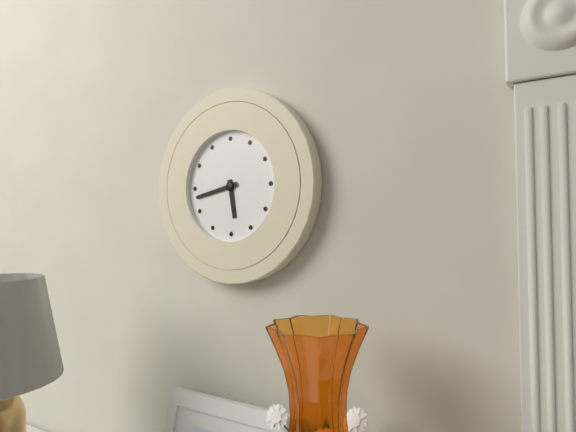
5:43
